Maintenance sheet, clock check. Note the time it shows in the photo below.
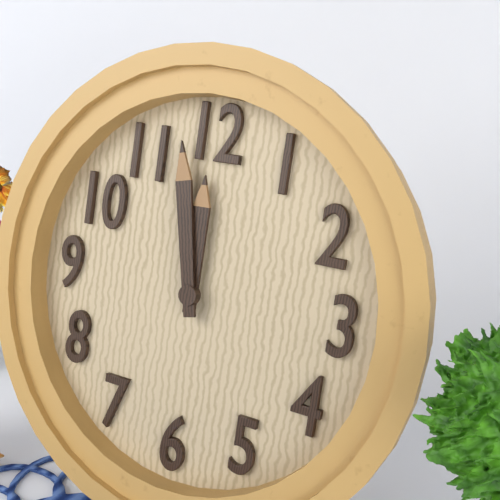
11:58
